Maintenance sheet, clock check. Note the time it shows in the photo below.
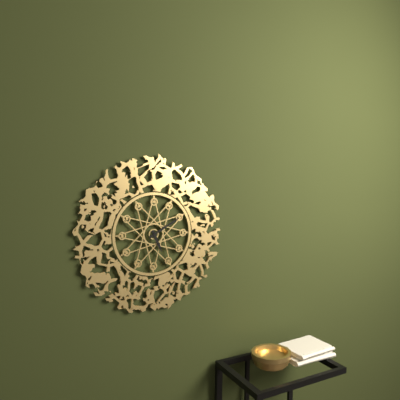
5:10
